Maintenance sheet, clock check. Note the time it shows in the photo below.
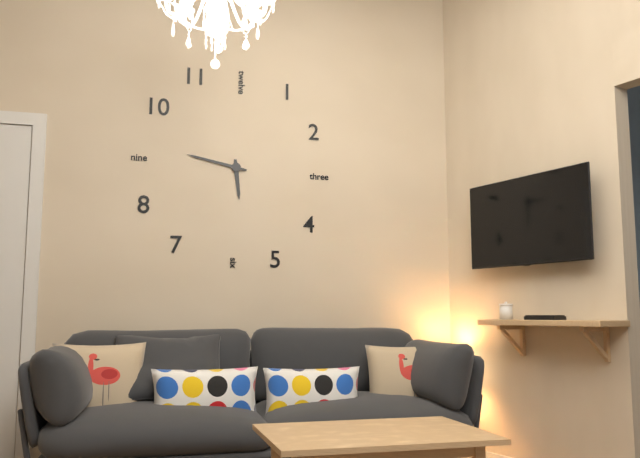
5:47
